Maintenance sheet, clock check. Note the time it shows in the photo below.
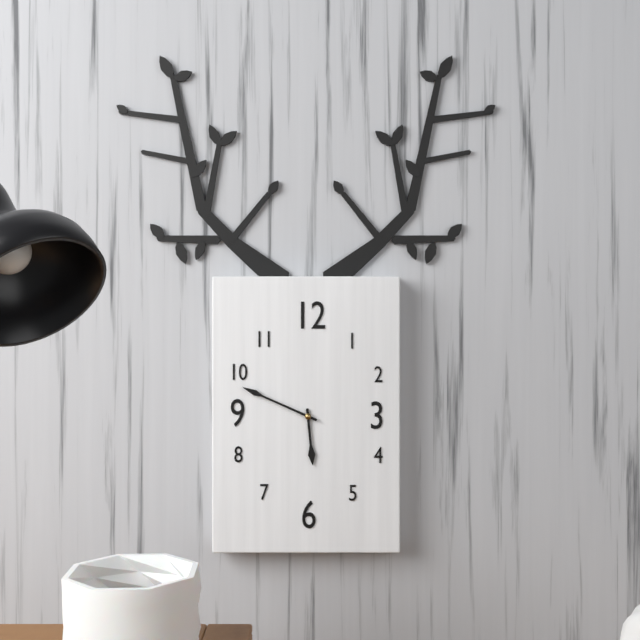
5:49
